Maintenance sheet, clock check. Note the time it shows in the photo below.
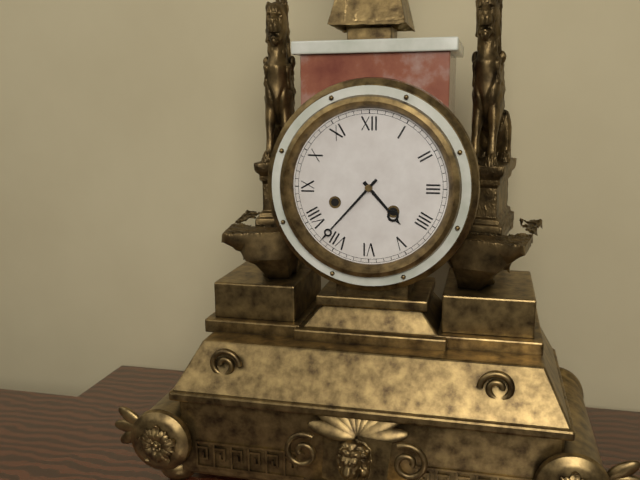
4:37
